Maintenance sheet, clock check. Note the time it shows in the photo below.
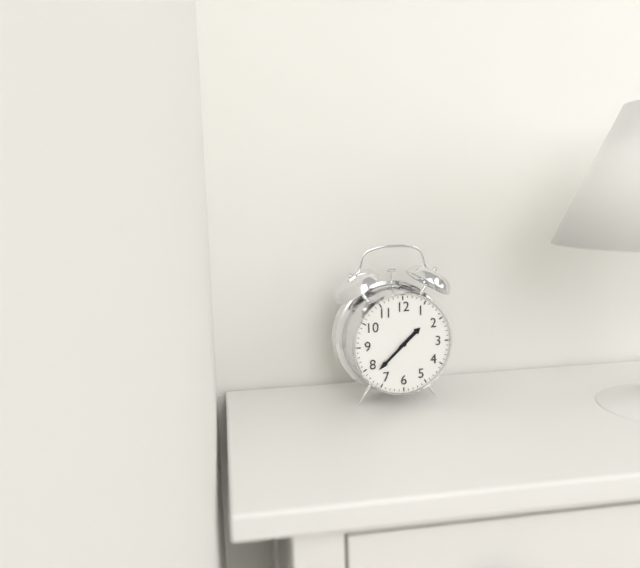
1:38
